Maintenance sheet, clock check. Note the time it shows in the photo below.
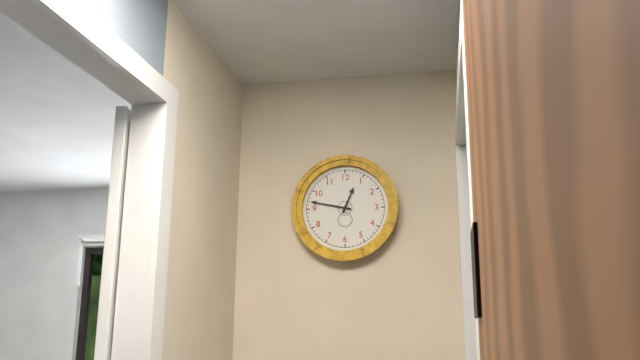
12:47
